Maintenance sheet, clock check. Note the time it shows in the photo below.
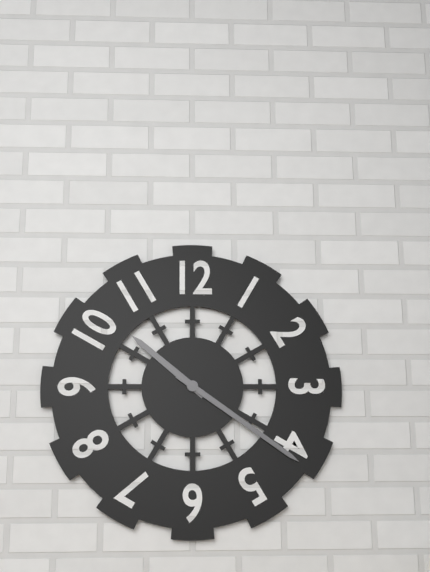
10:21
